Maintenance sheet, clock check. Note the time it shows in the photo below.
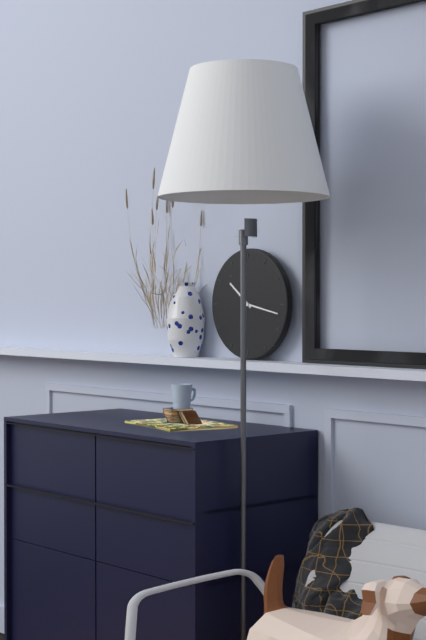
10:17
